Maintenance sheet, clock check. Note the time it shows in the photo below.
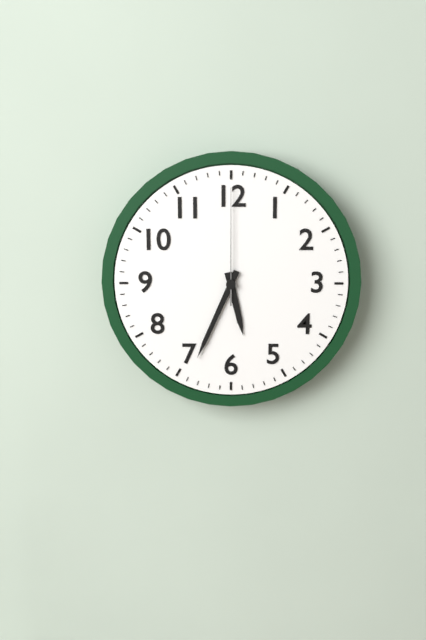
5:34:00
